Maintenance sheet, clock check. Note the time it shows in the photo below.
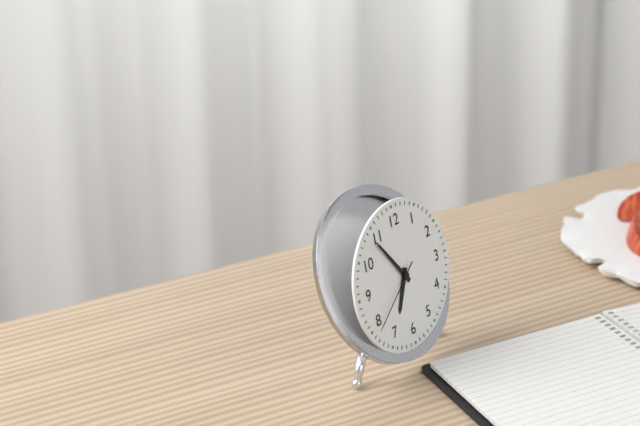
6:54:39
